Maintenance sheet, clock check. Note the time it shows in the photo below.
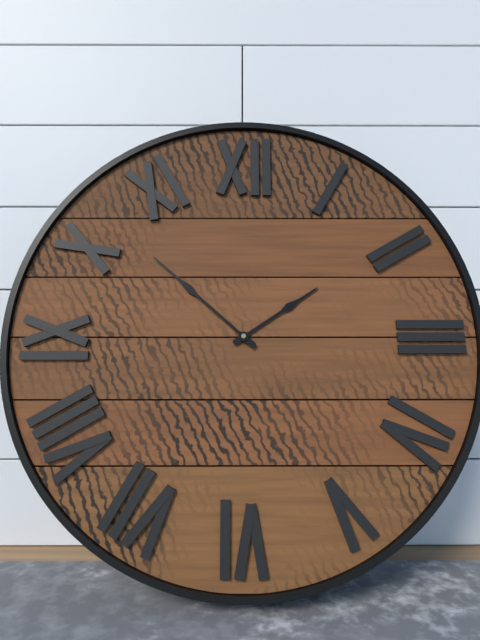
1:52
